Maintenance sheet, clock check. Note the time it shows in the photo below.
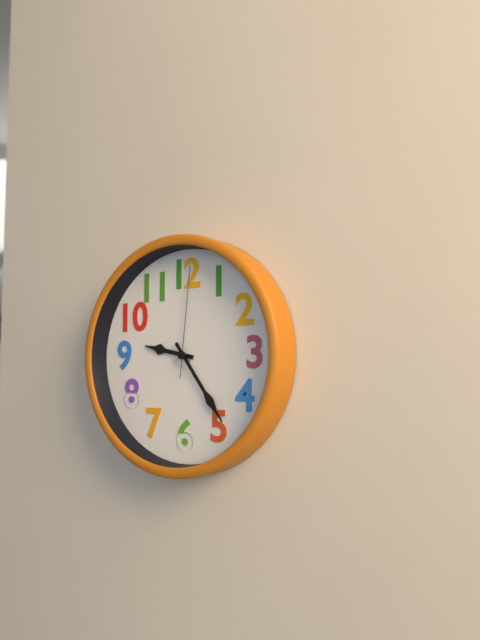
9:24:01
